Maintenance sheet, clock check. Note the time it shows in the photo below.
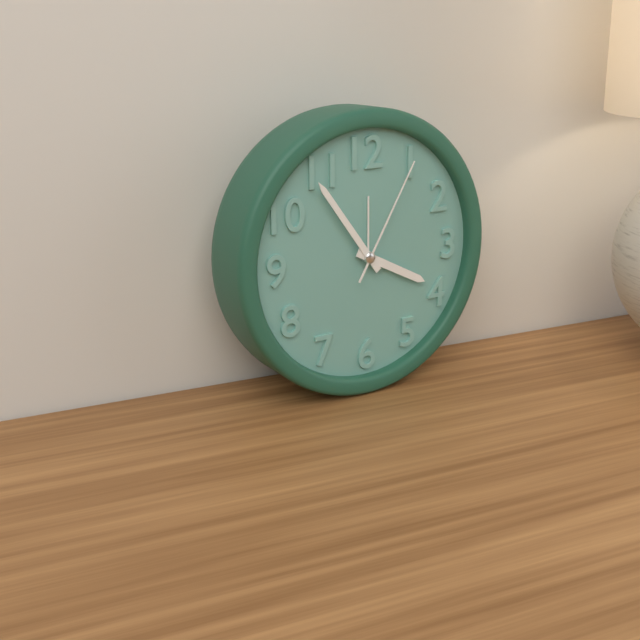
3:54:05
